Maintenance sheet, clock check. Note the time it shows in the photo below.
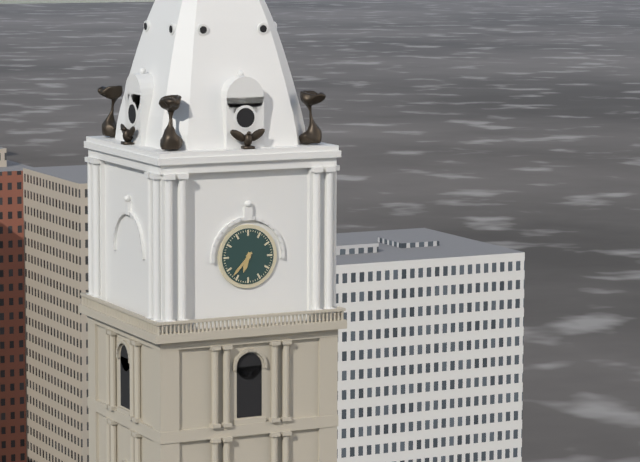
6:37
